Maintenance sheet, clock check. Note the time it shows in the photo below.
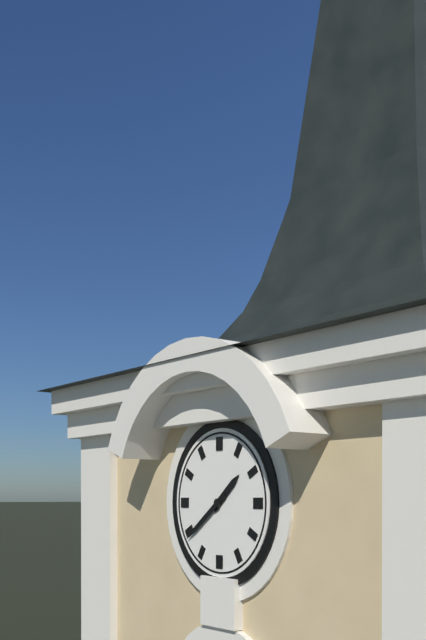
1:39
